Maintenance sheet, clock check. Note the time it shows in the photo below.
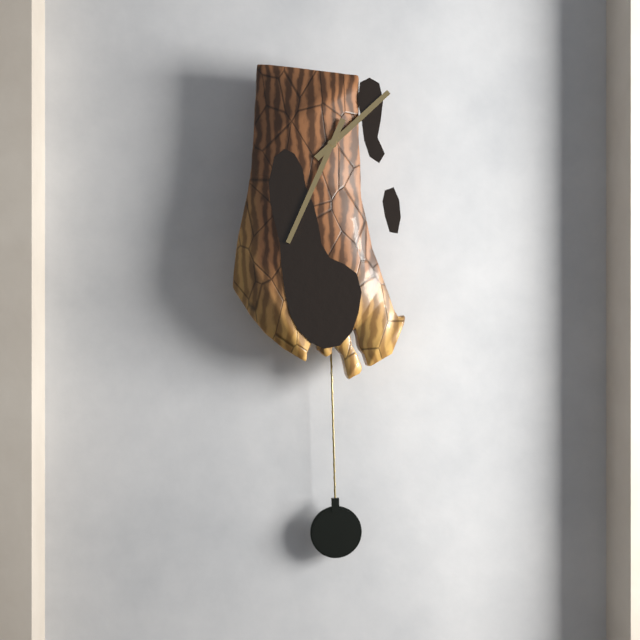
1:34
